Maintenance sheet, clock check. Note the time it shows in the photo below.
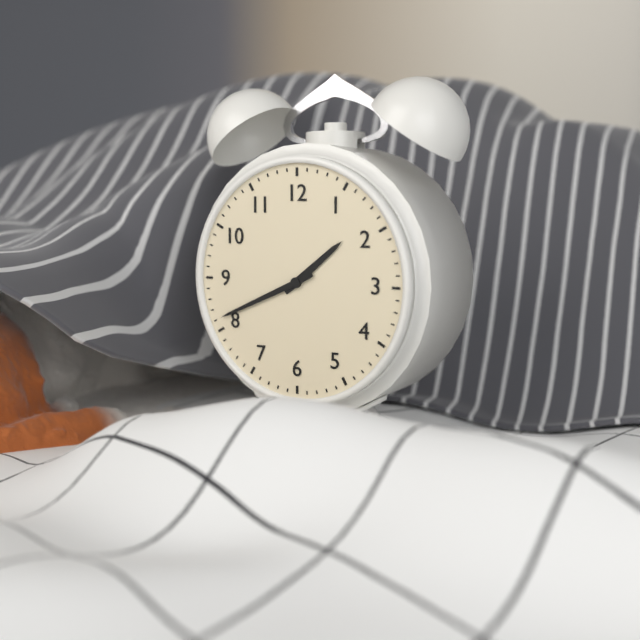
1:41
